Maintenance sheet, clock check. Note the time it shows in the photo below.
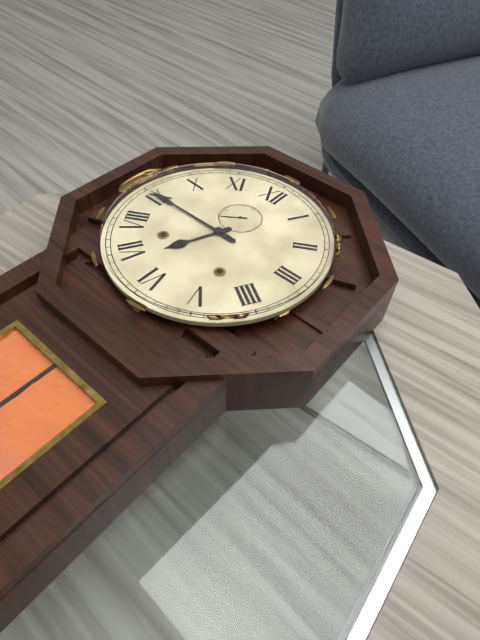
6:45:39
